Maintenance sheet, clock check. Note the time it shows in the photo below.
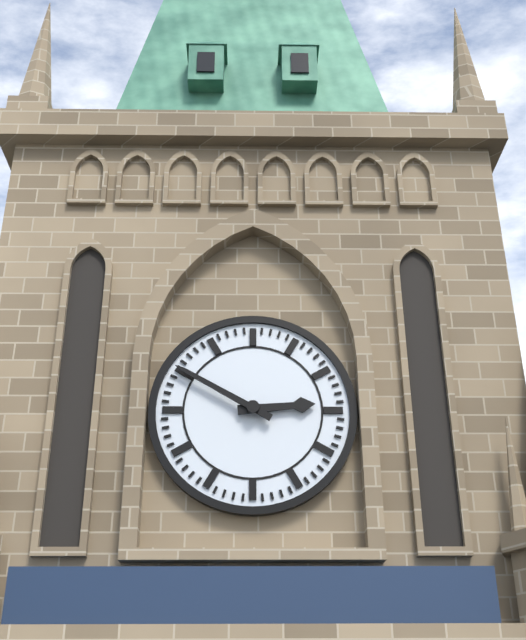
2:50
